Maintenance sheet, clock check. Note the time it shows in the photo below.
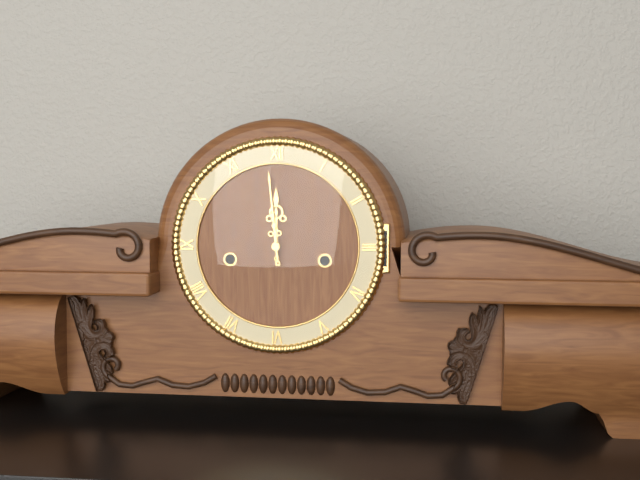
11:59
